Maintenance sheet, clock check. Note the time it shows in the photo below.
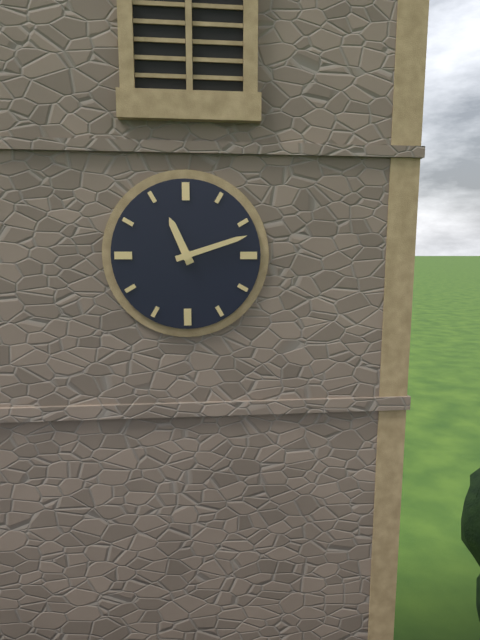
11:12
